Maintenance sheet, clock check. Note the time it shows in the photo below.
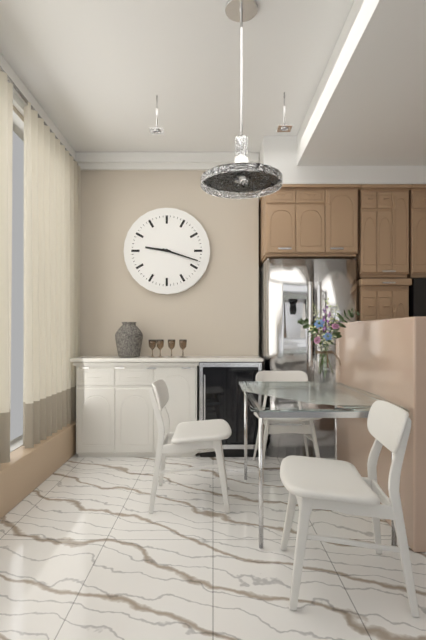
9:18
